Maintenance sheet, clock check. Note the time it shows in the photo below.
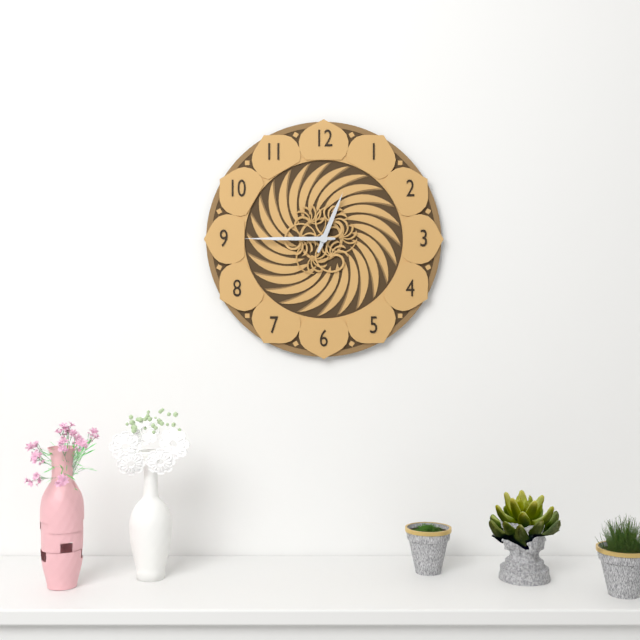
12:45
